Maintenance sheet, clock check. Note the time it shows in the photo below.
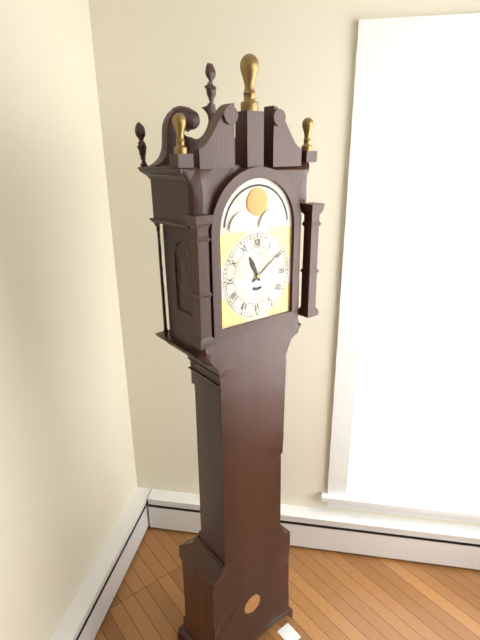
11:09
